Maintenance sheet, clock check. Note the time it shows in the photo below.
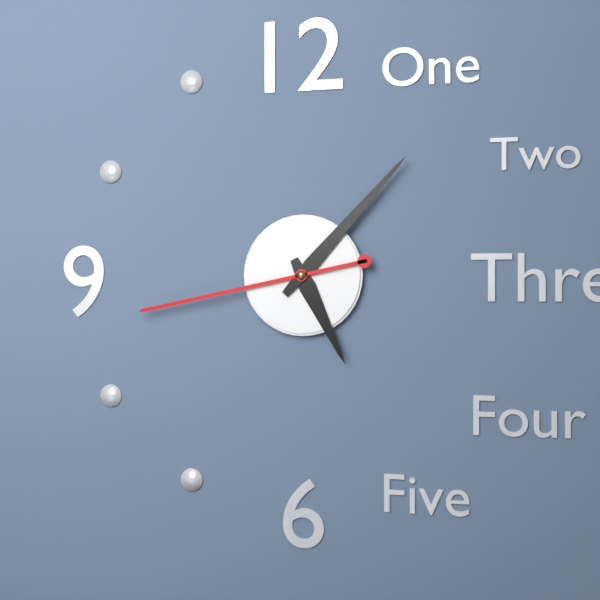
5:07:43
